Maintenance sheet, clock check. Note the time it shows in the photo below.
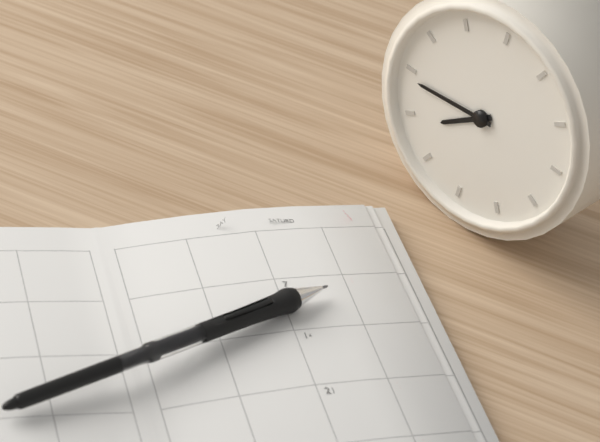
7:44
